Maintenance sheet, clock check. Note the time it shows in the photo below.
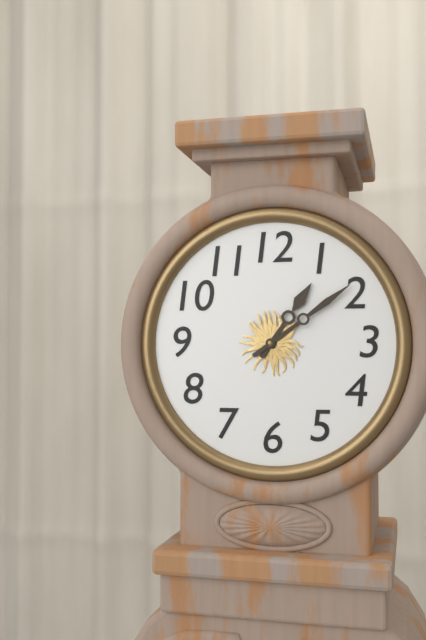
1:09
